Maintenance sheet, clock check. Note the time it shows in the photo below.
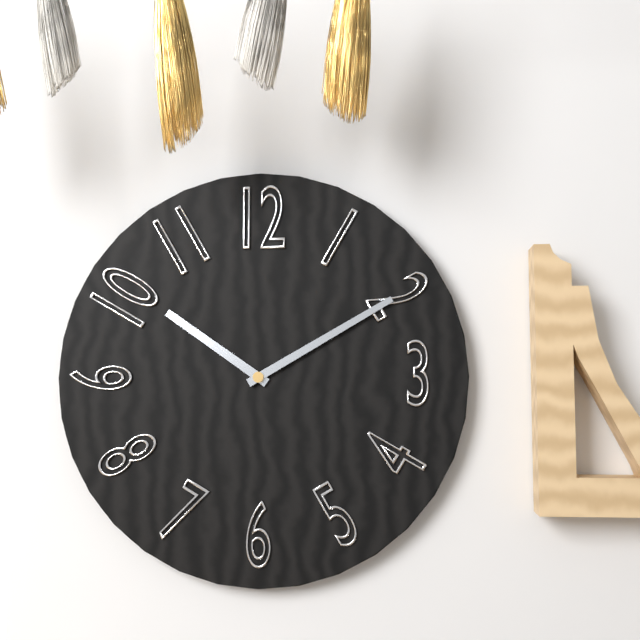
10:10
